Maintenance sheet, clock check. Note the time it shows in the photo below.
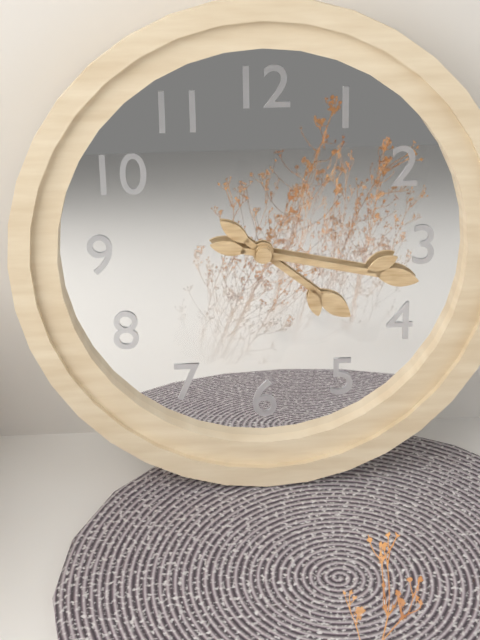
4:17
